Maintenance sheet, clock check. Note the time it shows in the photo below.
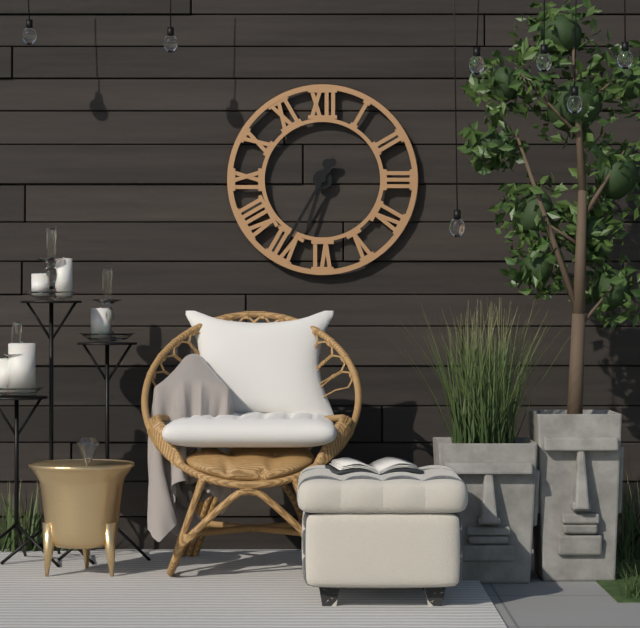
6:35
